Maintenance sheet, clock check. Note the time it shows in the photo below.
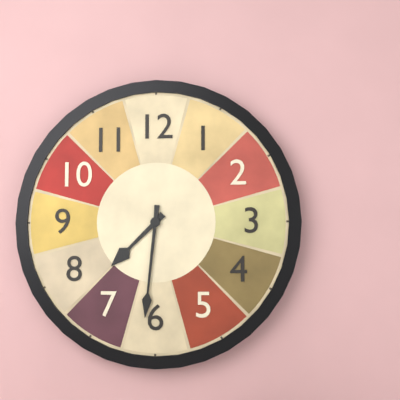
7:31
